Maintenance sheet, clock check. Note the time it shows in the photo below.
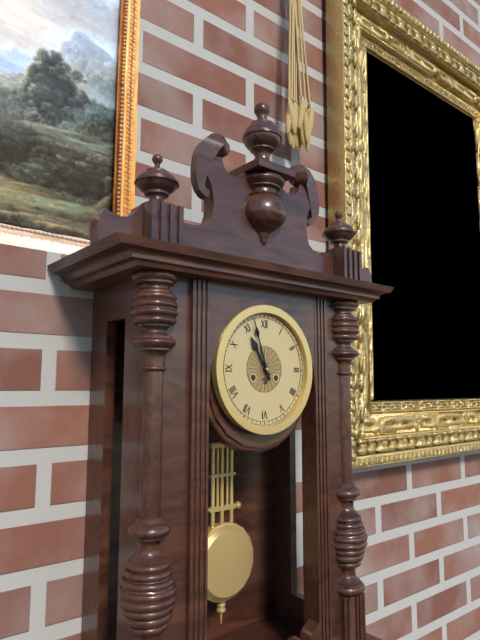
10:57
